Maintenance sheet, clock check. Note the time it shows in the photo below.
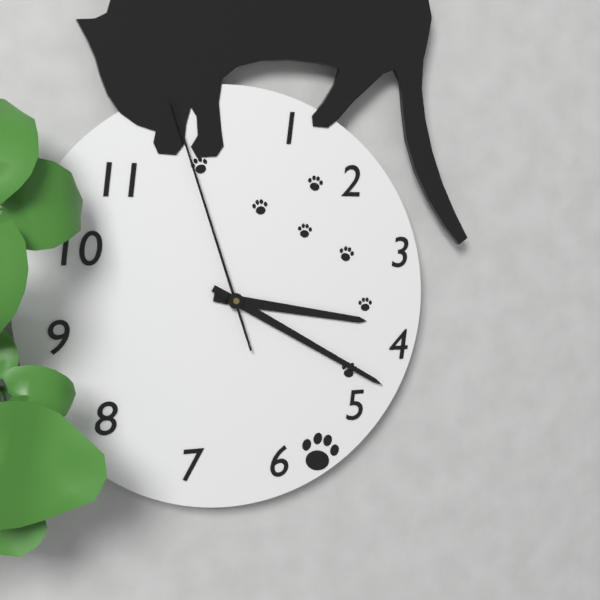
3:20:57
